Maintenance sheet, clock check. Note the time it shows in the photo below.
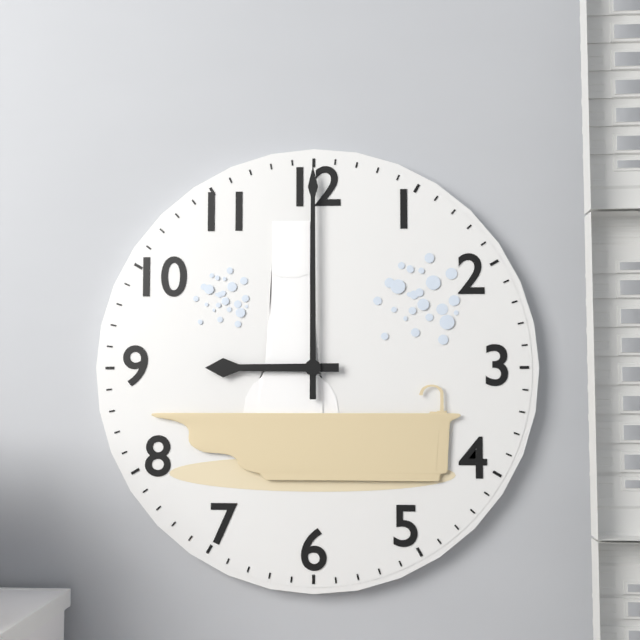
9:00
